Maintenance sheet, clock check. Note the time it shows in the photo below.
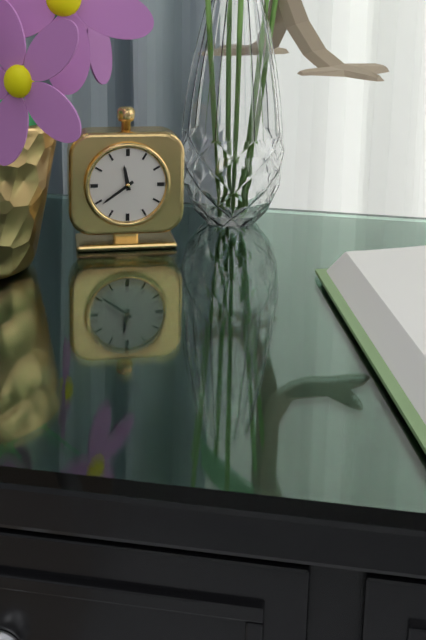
11:39
